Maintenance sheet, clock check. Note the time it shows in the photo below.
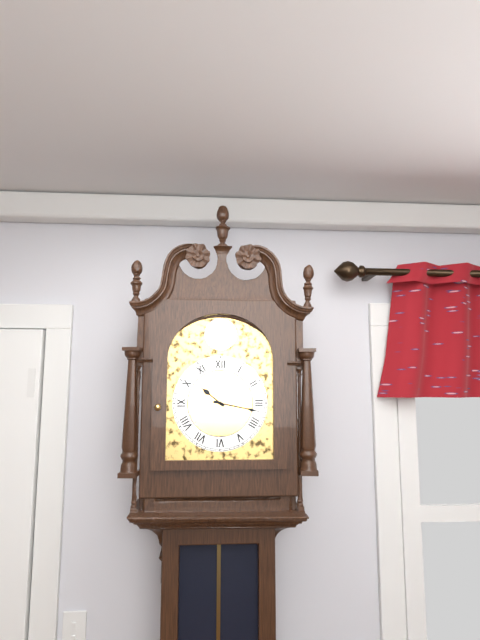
10:17
